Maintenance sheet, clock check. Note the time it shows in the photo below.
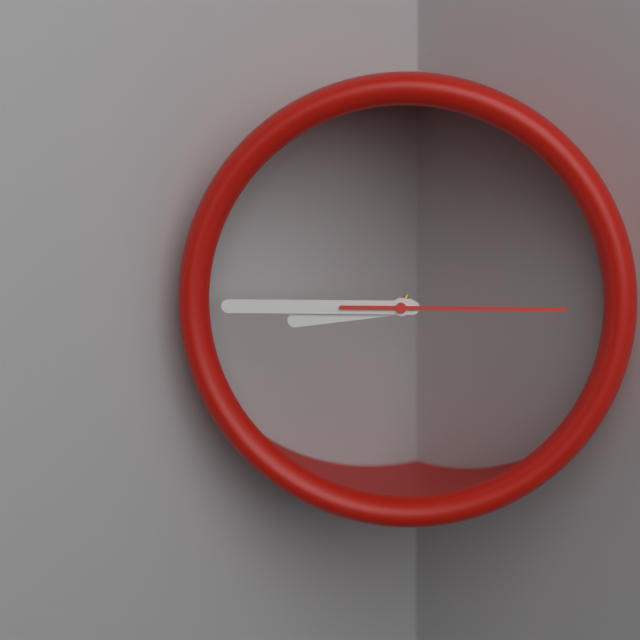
8:45:15
